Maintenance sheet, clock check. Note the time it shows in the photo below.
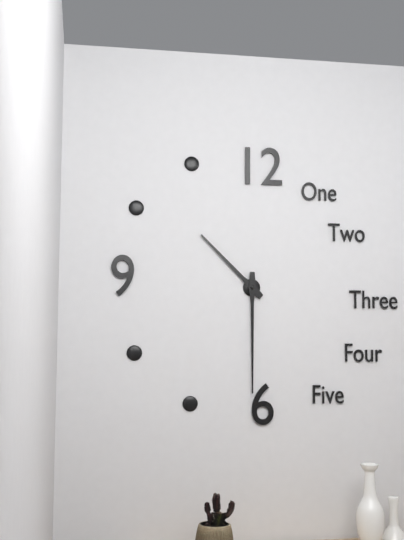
10:30
